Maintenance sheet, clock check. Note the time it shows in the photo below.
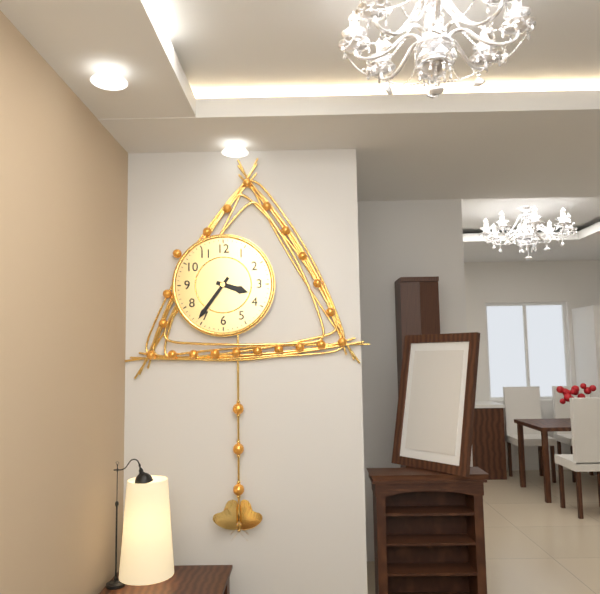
3:36
